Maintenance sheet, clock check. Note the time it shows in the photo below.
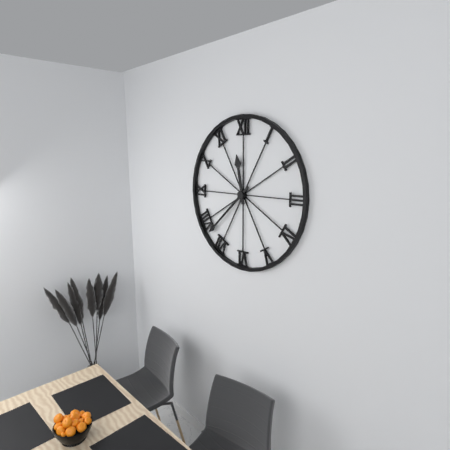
11:38
